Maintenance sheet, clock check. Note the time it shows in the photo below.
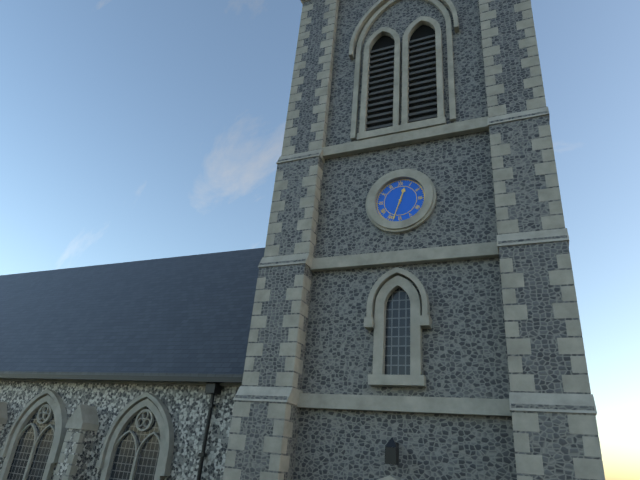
12:33
